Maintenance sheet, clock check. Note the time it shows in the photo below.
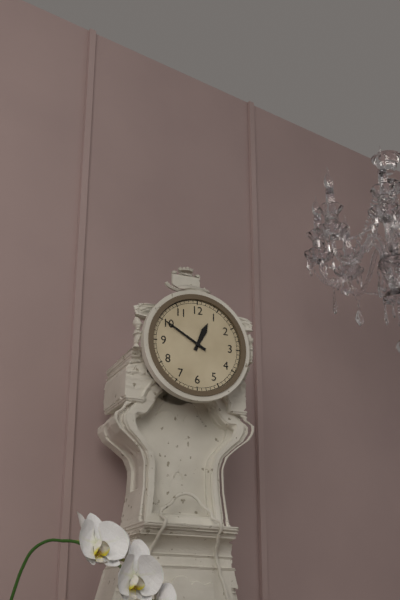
12:50
